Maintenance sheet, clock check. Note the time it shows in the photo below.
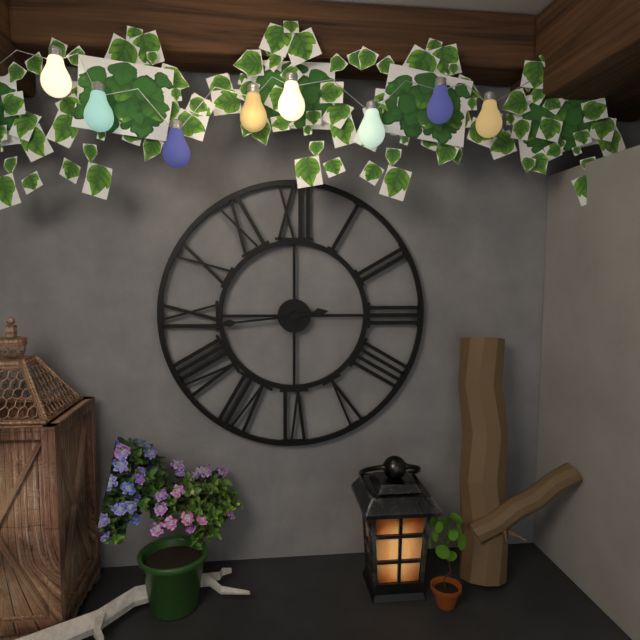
2:44
